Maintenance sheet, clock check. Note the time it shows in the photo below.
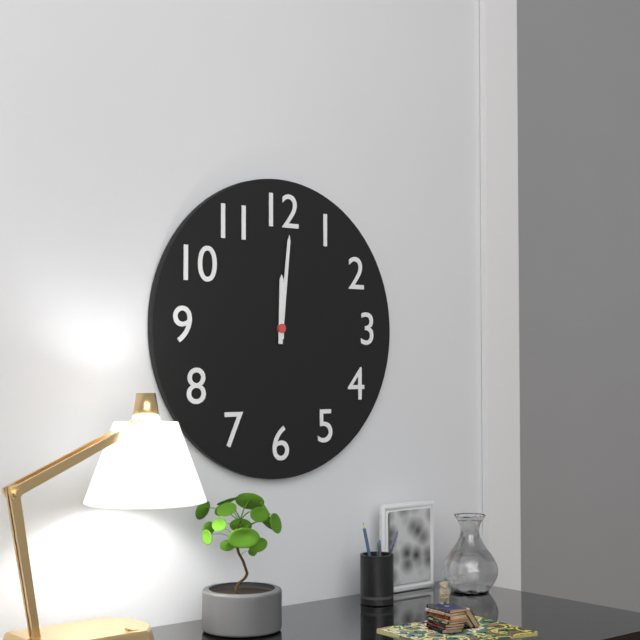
12:01
